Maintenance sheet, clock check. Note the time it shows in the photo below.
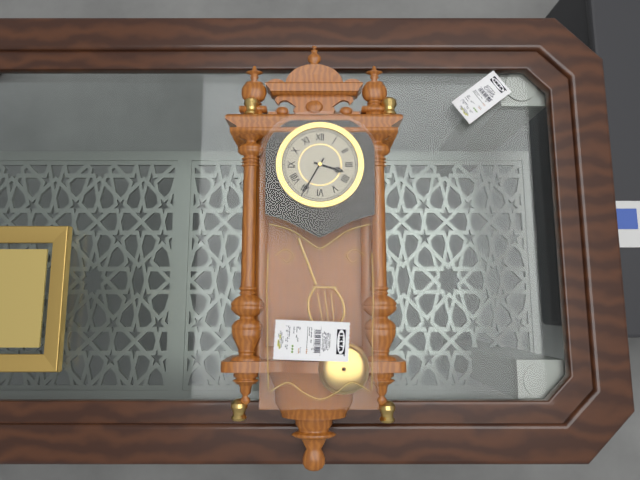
3:35
